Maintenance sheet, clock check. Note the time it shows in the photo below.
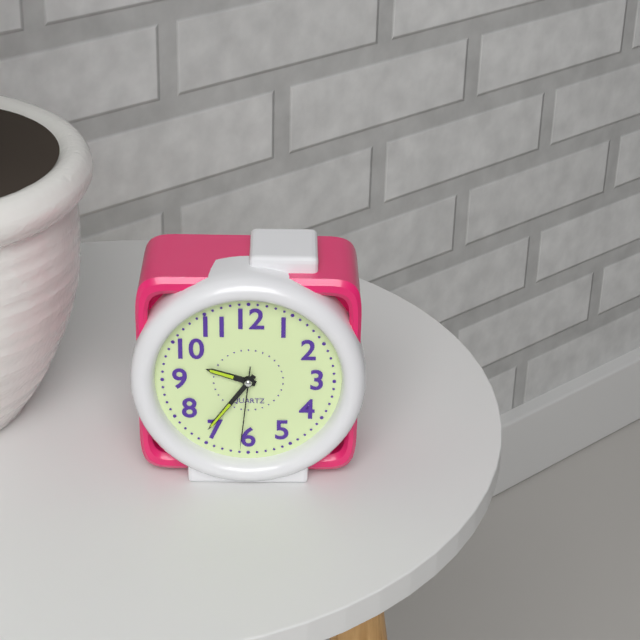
9:36:31
